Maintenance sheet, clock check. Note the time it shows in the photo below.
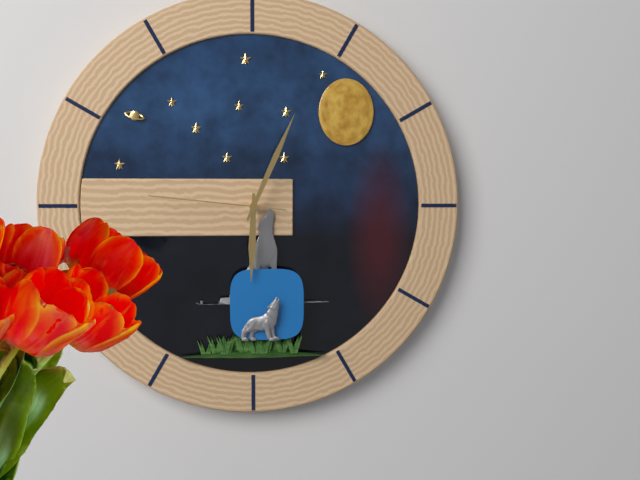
6:04:46
